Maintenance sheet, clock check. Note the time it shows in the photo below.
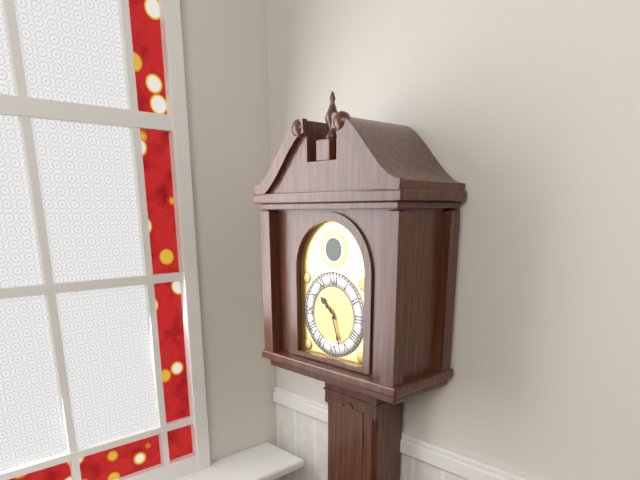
10:27
